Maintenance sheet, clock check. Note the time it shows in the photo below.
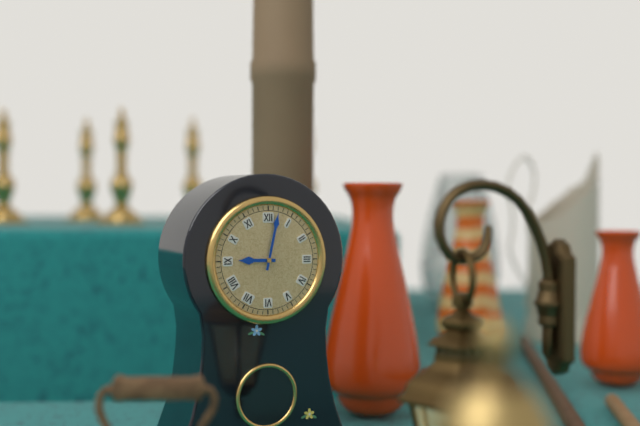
9:02
